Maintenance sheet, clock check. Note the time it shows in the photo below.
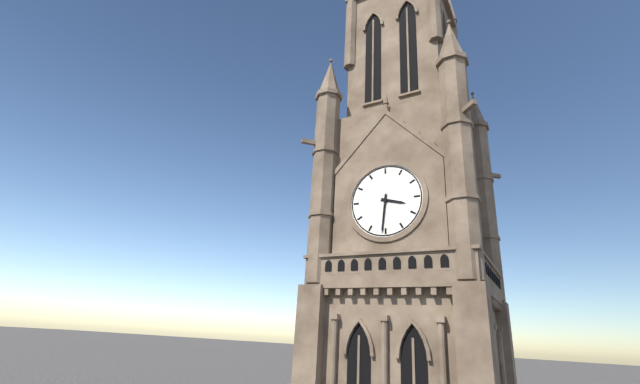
3:31
